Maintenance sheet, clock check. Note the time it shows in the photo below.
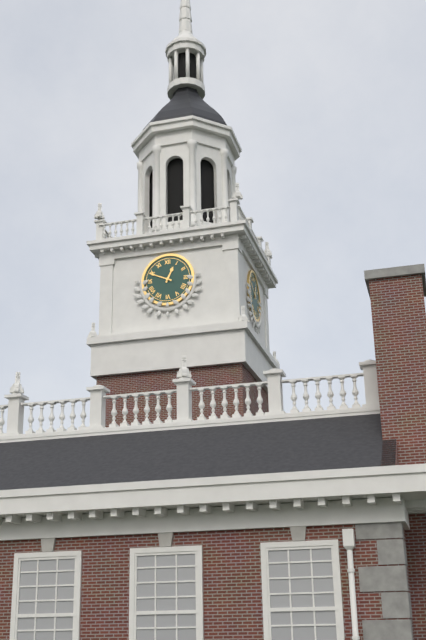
12:49
